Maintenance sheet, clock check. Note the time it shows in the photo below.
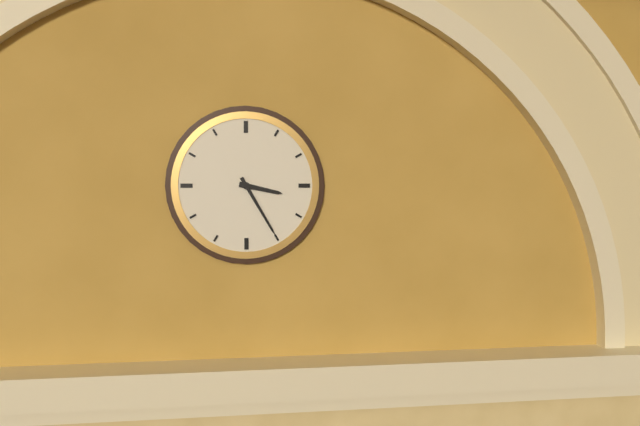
3:25
